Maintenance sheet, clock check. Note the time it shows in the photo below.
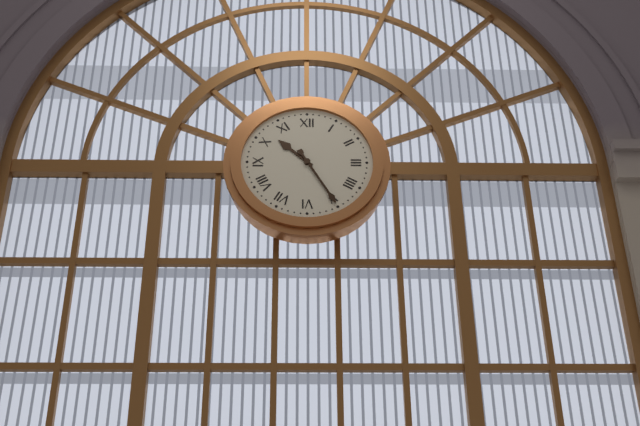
10:25
